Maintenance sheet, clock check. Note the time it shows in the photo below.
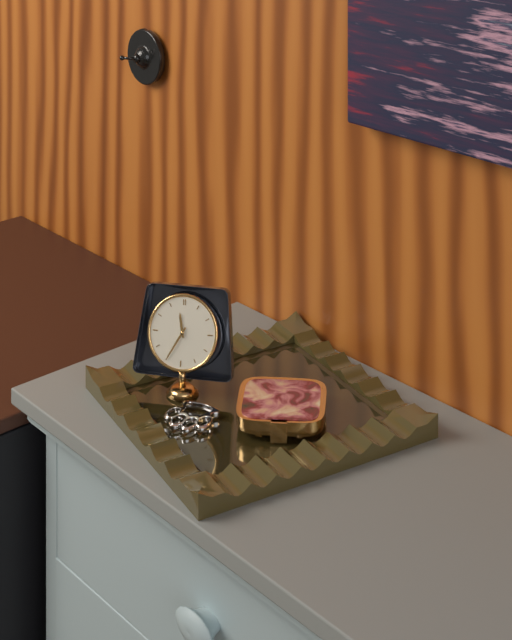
11:35
